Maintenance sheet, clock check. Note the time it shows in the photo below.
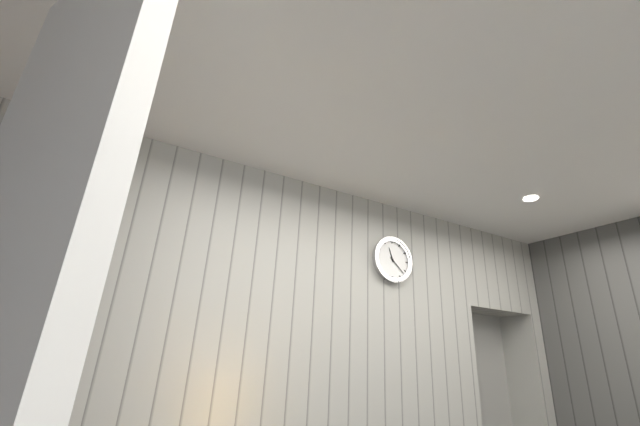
11:22
